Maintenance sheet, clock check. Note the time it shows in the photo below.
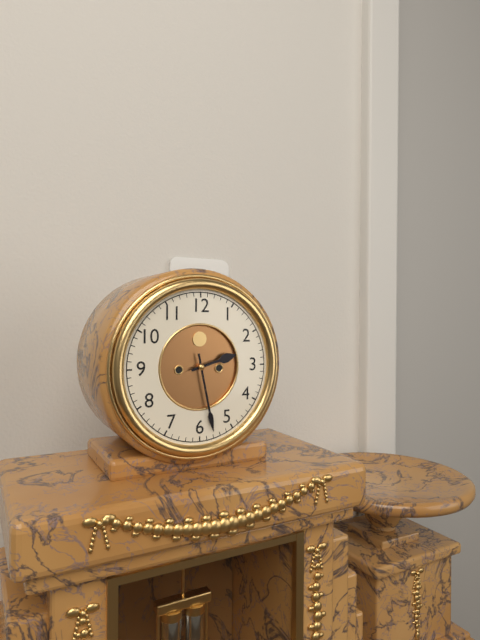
2:28
